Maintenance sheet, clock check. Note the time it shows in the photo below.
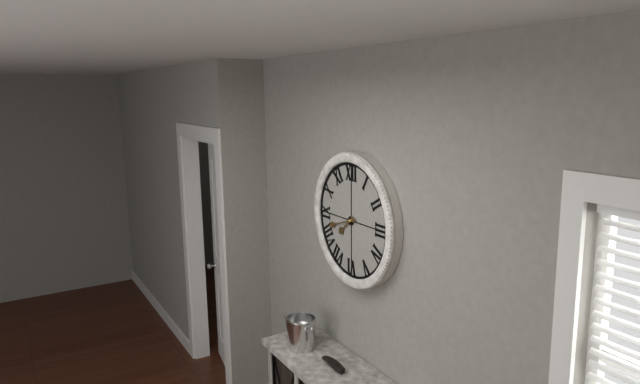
7:42
